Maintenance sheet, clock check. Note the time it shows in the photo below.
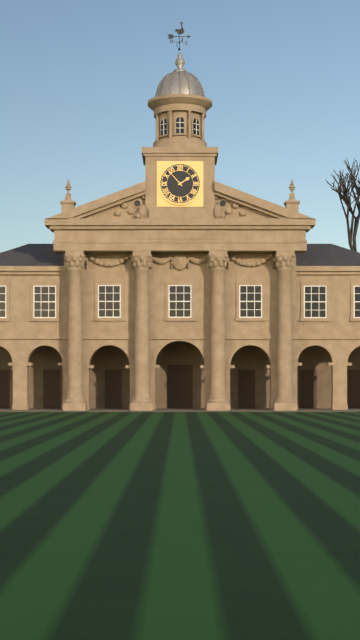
1:53
